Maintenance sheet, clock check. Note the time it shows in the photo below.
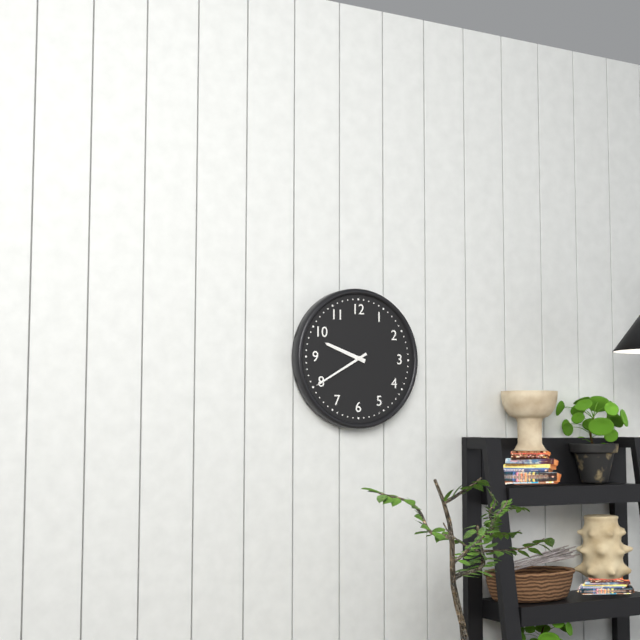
9:40
